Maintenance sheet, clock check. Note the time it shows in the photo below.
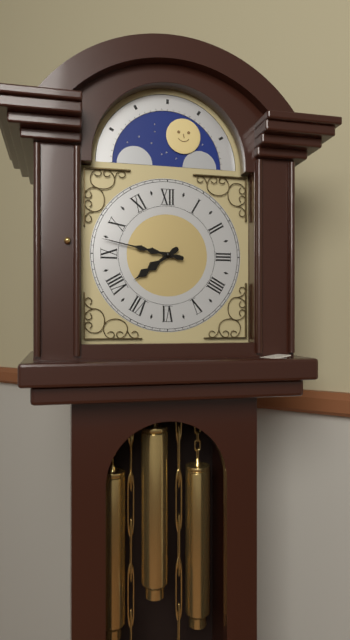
7:47
